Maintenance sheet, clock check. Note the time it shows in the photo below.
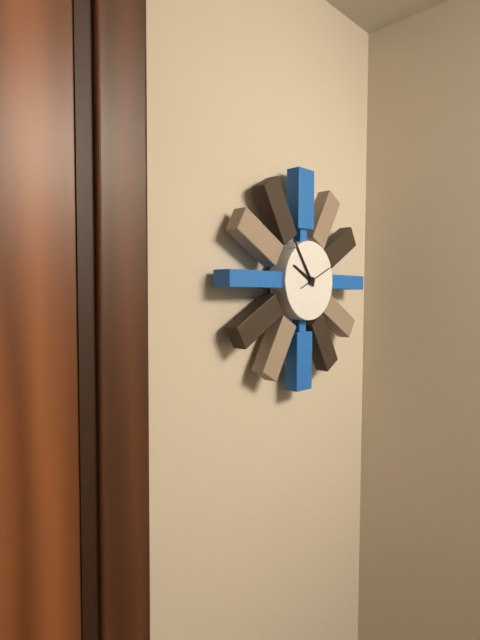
9:54
